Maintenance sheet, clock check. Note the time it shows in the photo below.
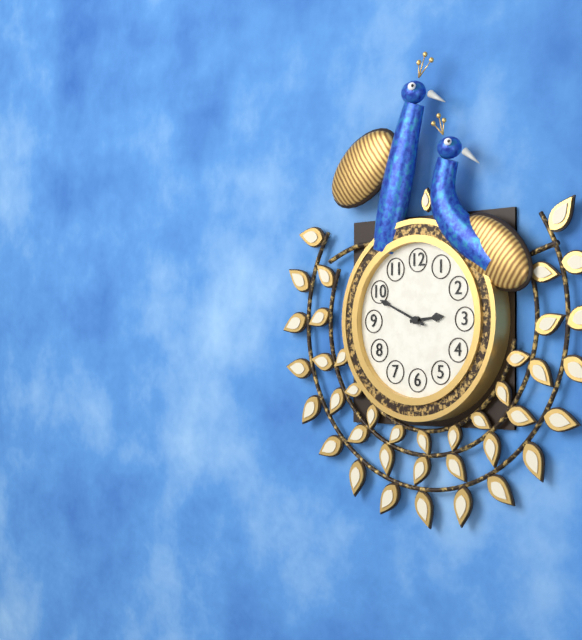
2:49
